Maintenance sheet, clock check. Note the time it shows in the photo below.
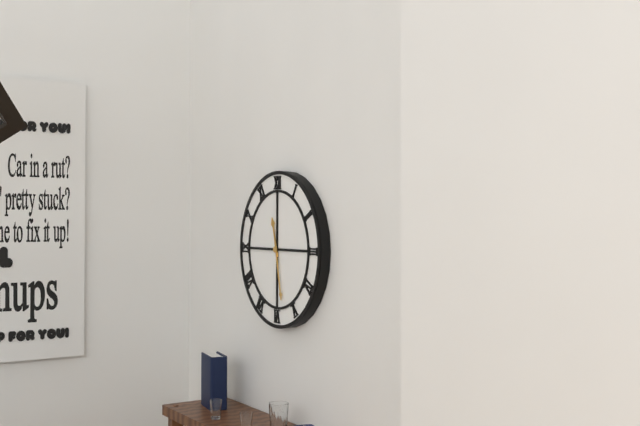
11:28
